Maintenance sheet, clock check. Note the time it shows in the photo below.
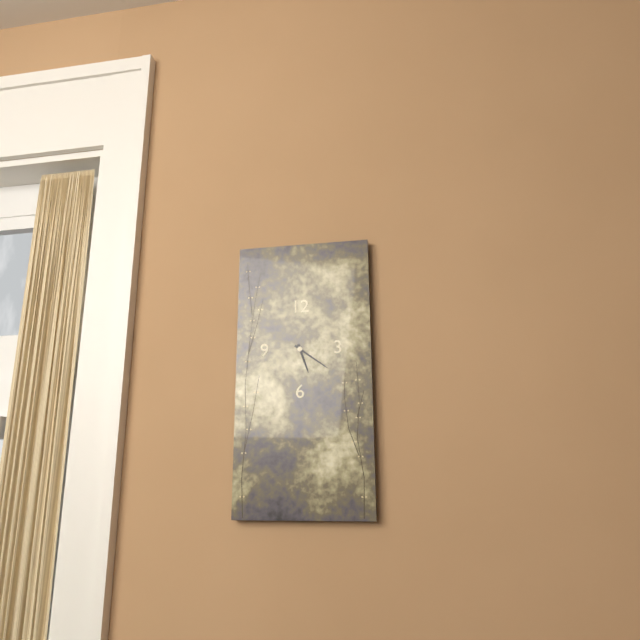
5:21
